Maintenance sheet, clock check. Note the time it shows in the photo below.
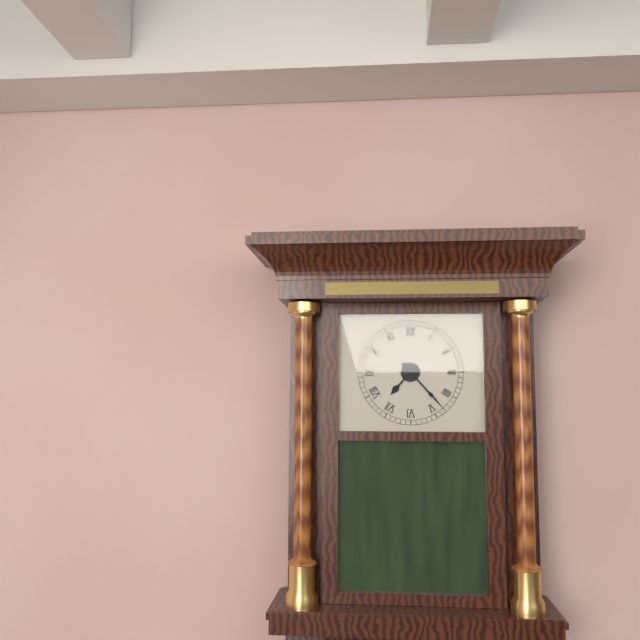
7:23
